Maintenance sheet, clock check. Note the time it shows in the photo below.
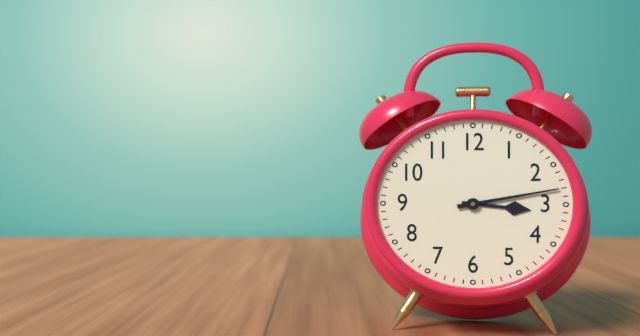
3:13
